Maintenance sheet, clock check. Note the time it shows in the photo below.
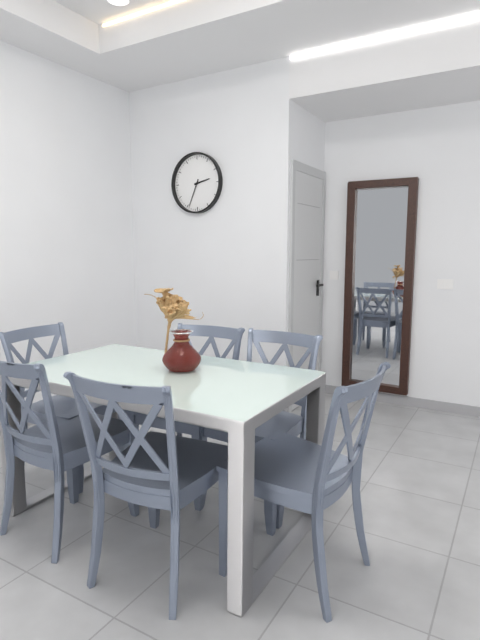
2:34
